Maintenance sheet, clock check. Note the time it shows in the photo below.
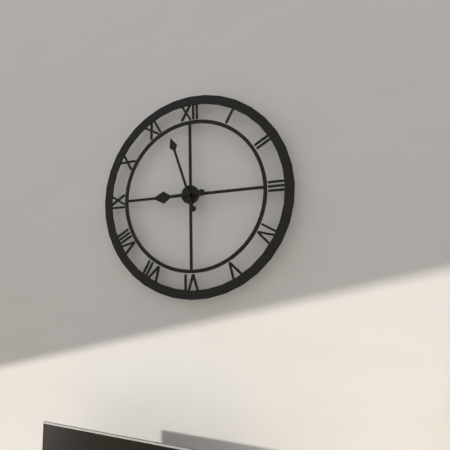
8:57
